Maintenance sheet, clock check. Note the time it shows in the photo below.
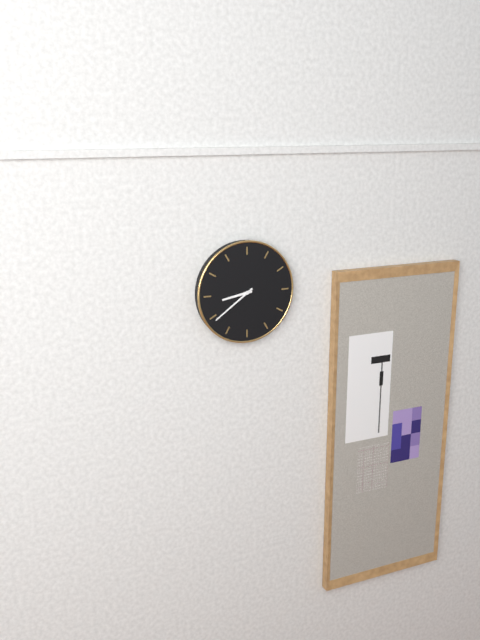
8:39
